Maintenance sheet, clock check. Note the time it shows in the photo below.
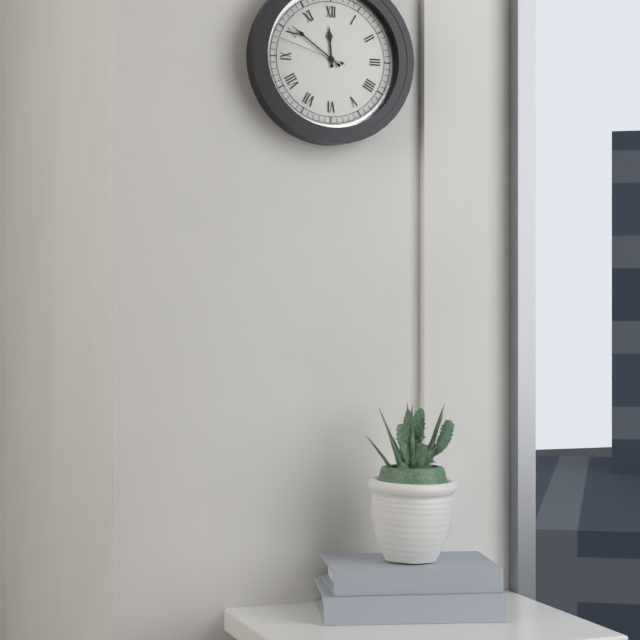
11:51:48
